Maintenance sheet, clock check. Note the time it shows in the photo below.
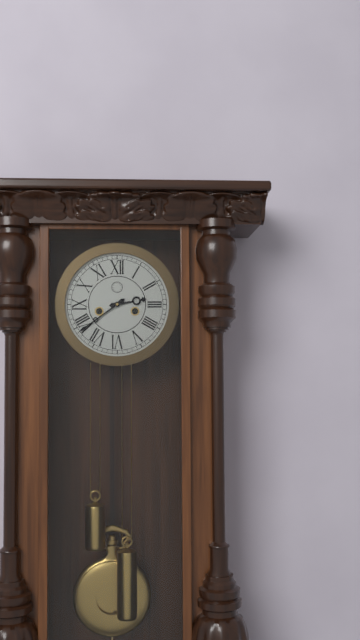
2:39
